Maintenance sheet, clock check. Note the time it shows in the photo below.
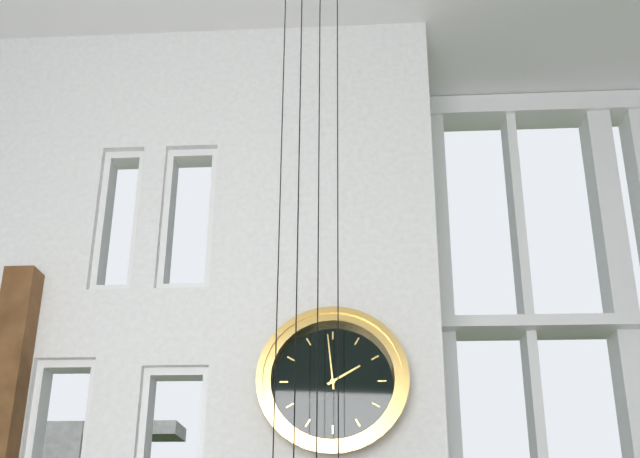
1:59
